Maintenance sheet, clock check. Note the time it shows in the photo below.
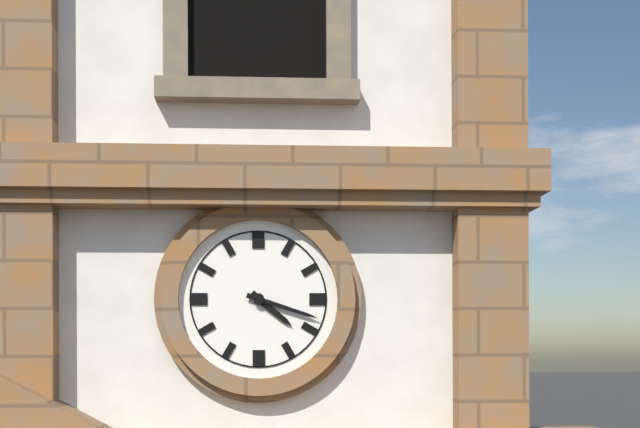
4:18
